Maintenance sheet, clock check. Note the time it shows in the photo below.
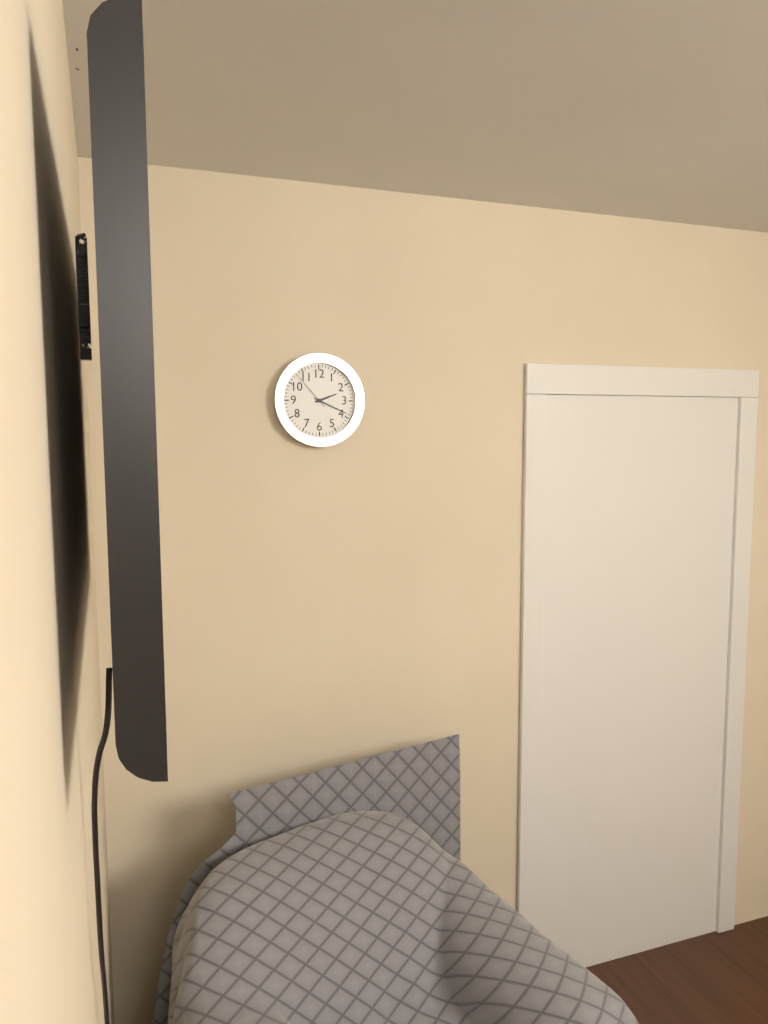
2:19
